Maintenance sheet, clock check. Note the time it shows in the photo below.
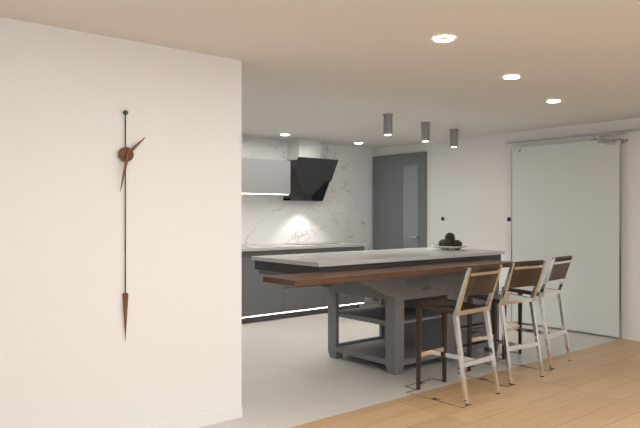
1:32
